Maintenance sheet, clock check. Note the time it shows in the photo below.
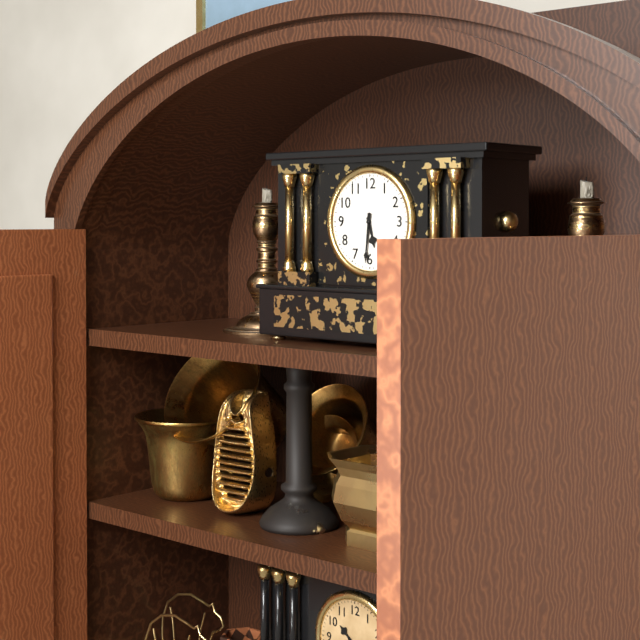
5:31
